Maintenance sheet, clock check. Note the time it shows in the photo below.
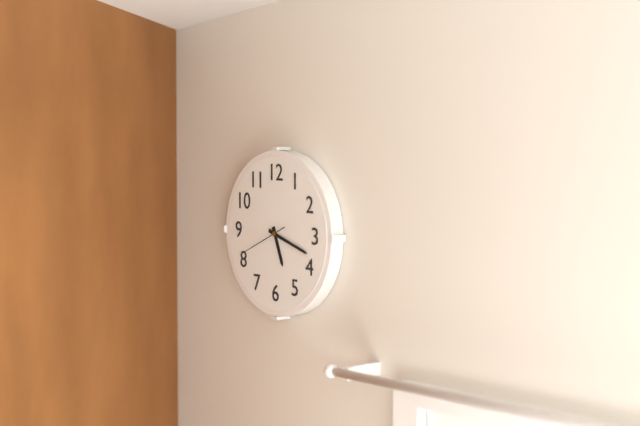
5:18:41
